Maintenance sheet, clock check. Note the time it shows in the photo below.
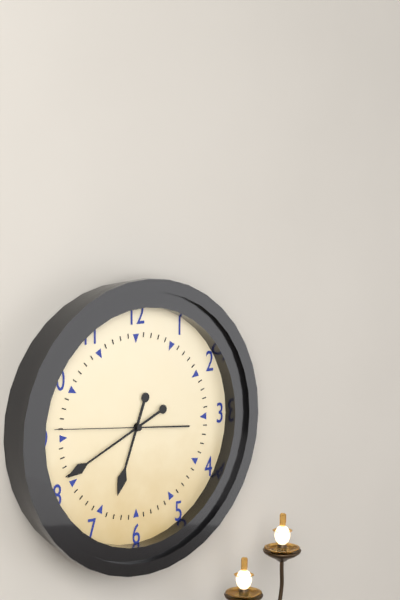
6:41:46
